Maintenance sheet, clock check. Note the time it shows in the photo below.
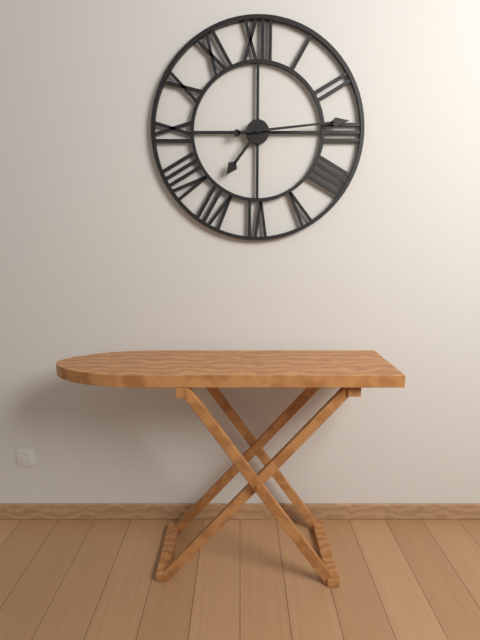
7:14
